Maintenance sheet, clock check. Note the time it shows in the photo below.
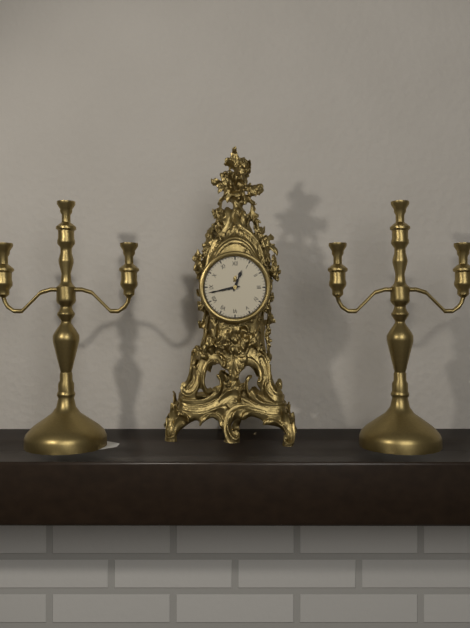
12:43
